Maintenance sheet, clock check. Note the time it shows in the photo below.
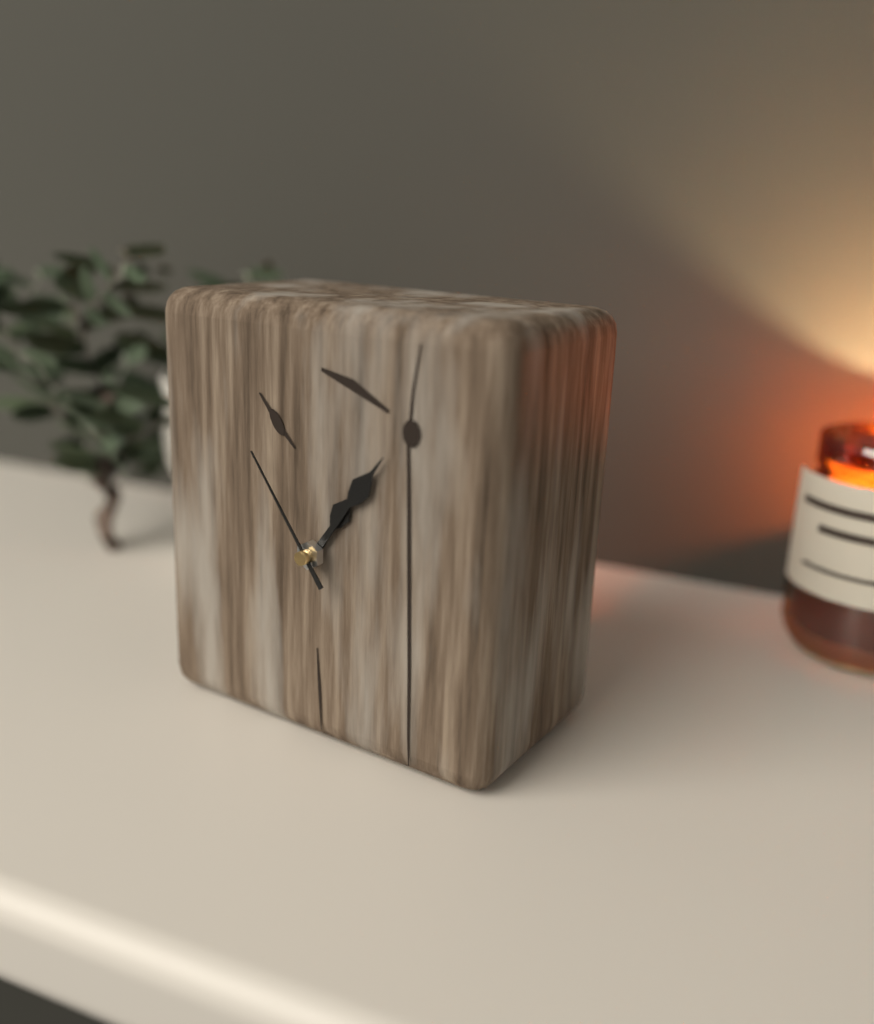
1:06:54
